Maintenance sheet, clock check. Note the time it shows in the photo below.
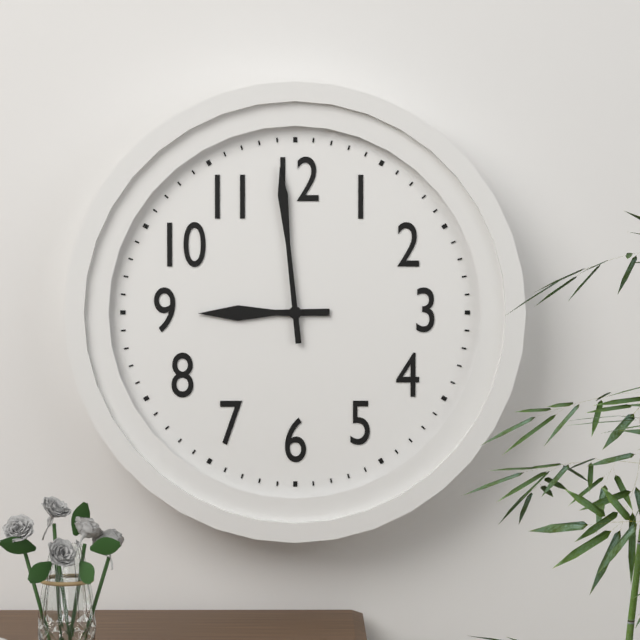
8:59
